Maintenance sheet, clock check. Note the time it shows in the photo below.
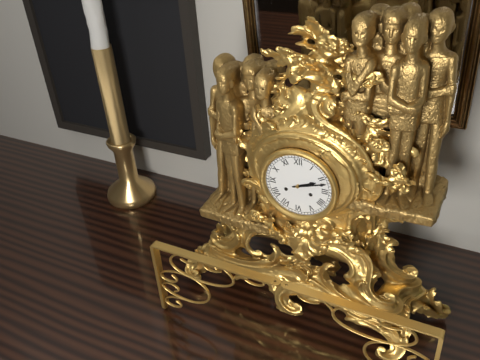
2:12
